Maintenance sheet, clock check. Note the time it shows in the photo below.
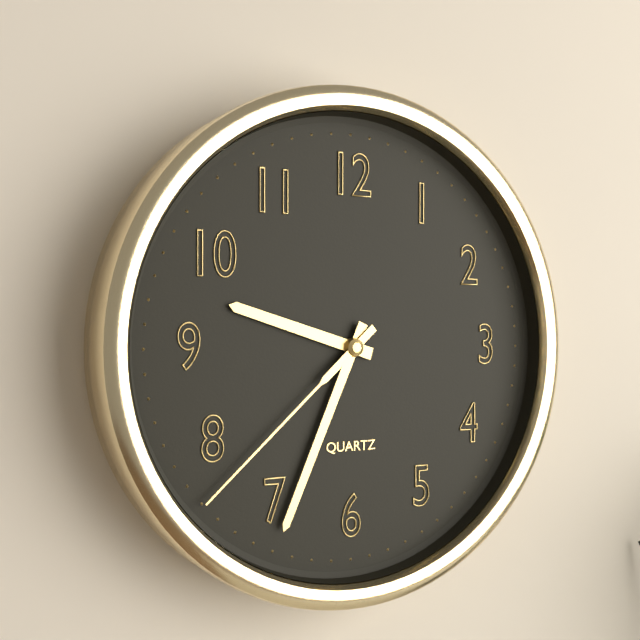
9:34:38
